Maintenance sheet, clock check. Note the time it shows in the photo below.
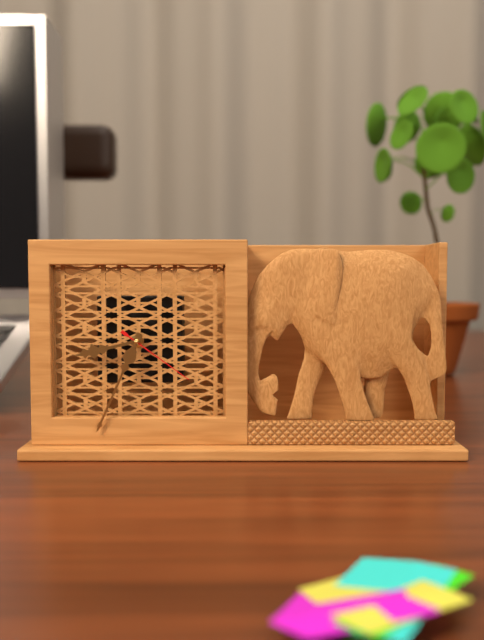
8:34:21
